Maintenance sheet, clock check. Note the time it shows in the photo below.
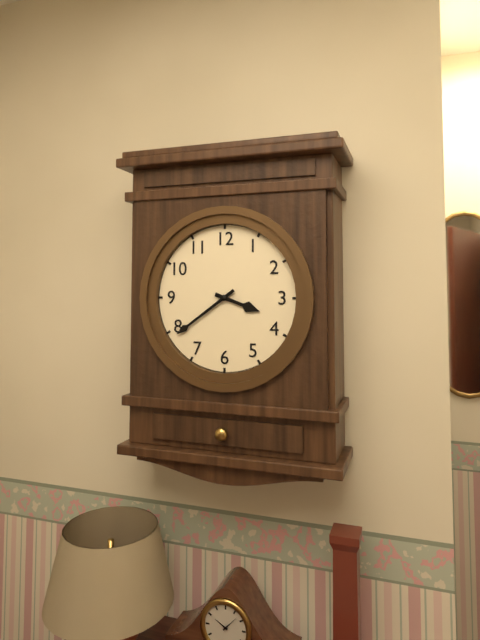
3:39
